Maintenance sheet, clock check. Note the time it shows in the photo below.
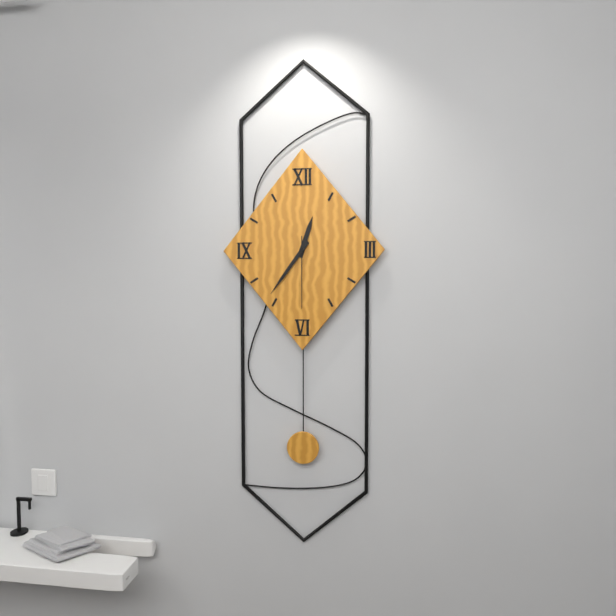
12:36:30
